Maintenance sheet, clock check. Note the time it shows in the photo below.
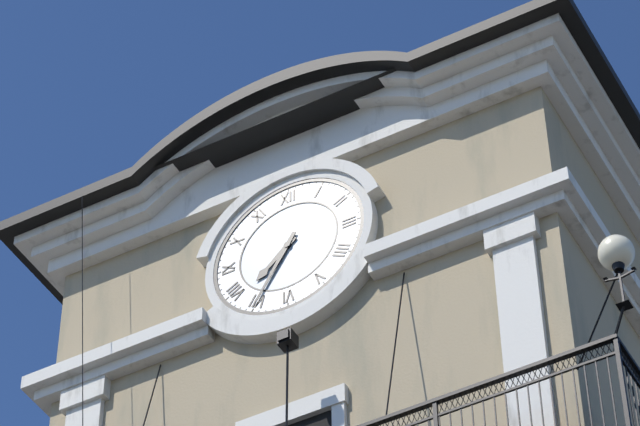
7:35
